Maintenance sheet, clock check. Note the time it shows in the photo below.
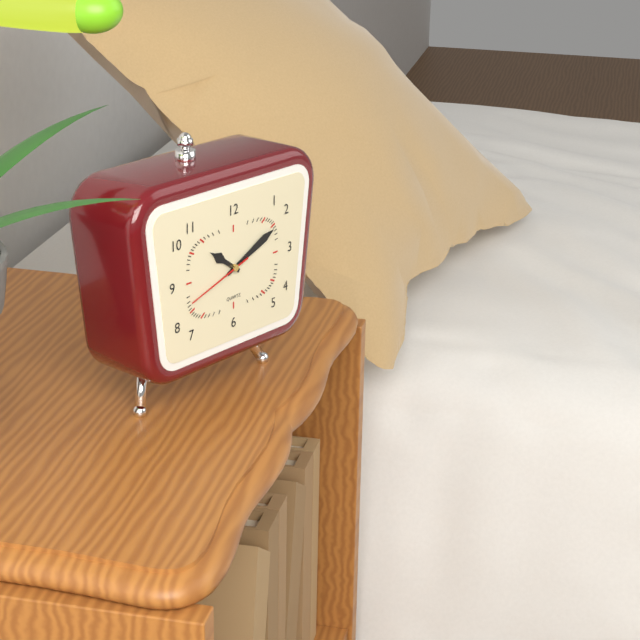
10:11:42
